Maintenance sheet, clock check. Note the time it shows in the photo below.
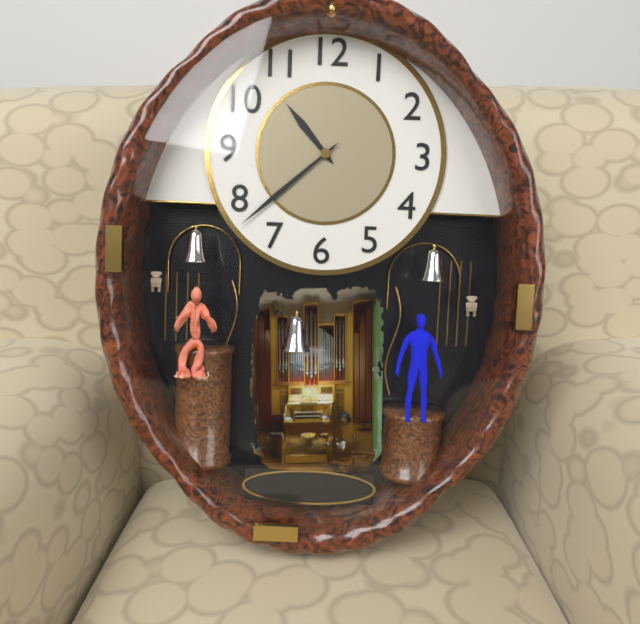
10:38
